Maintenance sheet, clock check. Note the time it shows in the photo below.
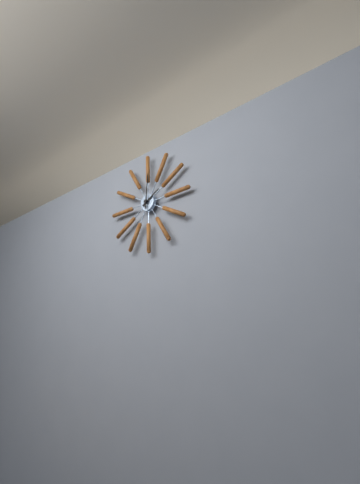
2:01
